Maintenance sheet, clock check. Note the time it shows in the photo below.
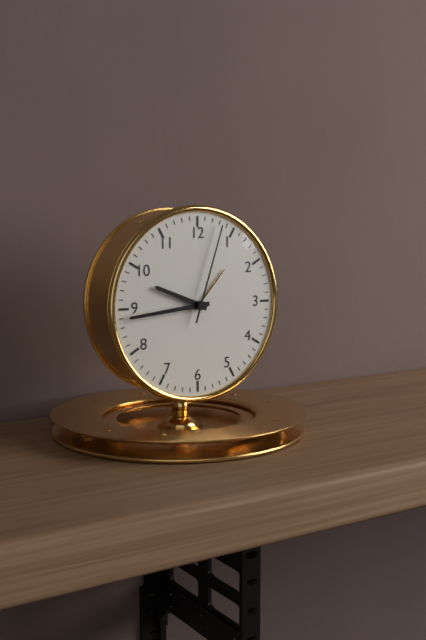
9:44:03
